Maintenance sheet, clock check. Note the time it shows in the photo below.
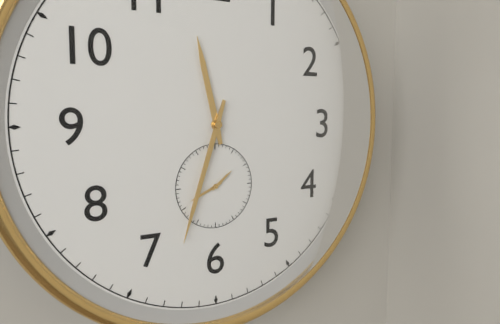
11:33
